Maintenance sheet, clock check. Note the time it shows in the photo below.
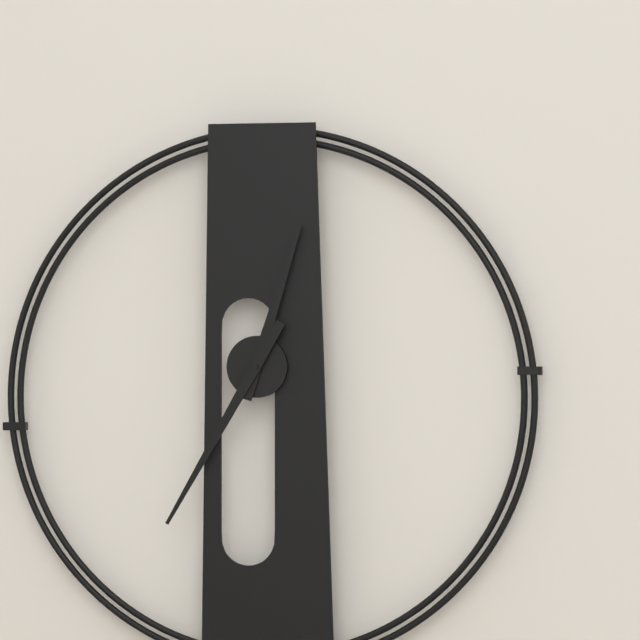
12:35
